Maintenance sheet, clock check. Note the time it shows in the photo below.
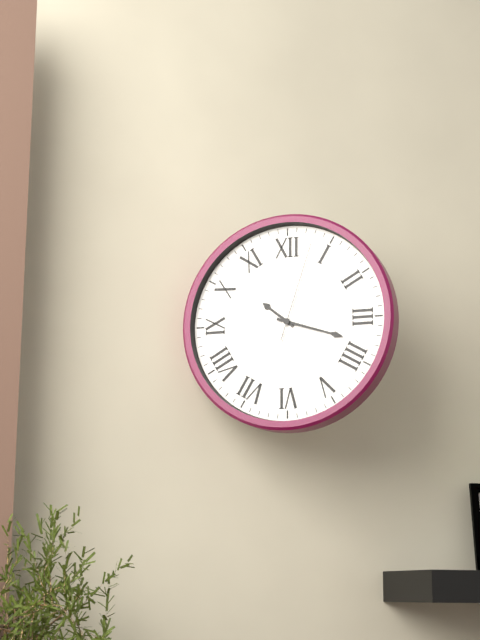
10:18:03
